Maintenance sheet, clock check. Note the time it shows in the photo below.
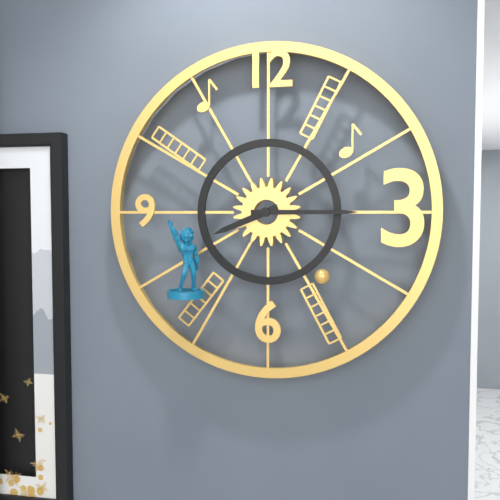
8:15
